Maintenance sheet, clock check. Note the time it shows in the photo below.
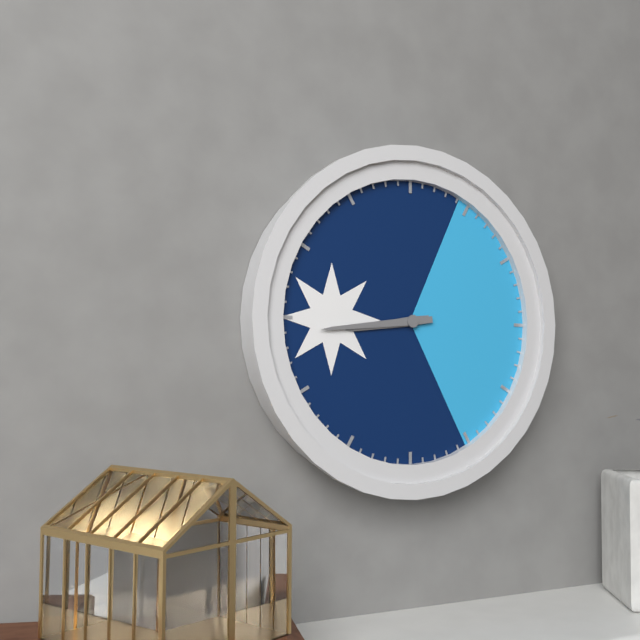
8:44
